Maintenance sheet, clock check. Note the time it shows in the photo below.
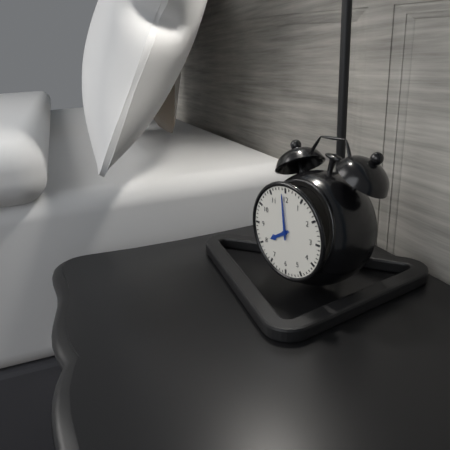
7:59
